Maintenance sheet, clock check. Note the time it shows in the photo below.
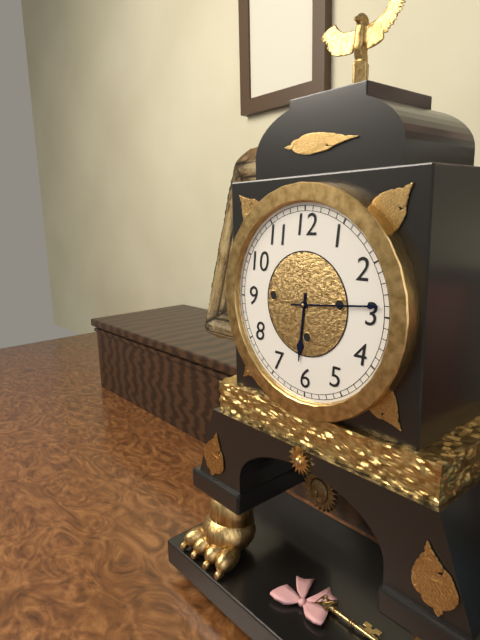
6:14
